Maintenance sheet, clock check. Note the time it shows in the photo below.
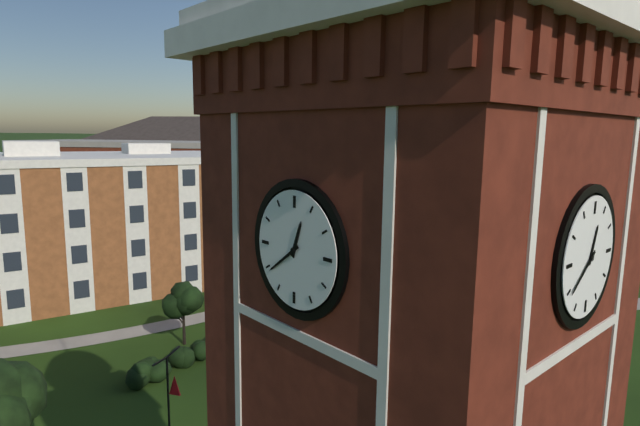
12:39
